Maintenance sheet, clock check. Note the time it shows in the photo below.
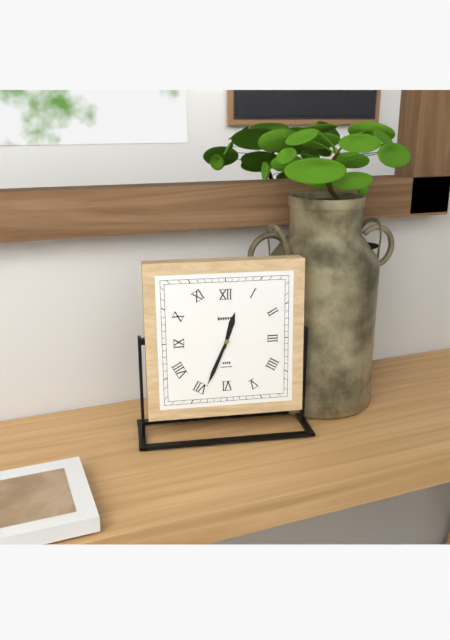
12:34
